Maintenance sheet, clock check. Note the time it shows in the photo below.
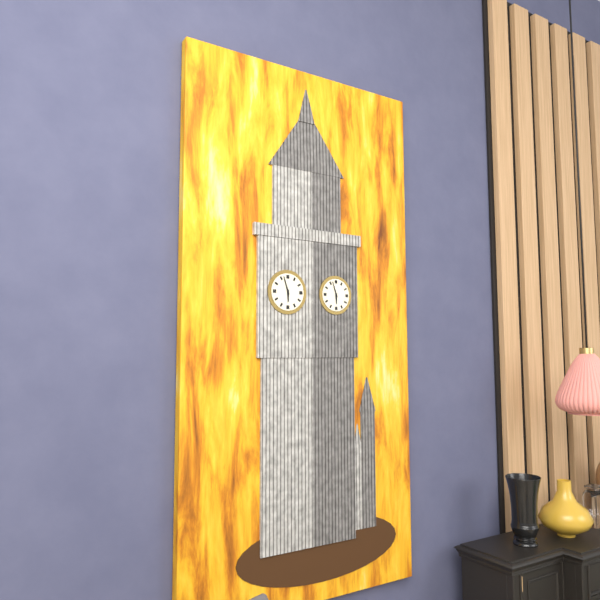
5:57
